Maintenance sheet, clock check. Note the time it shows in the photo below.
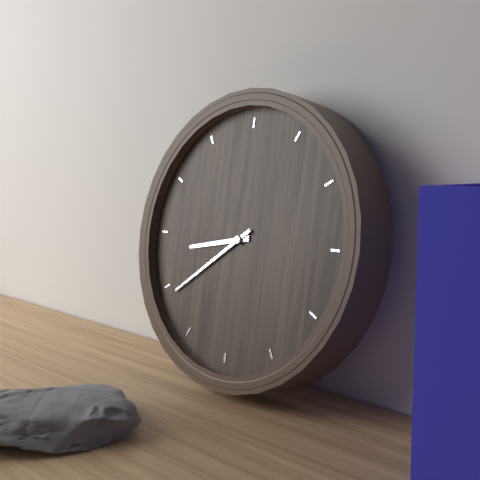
8:39
